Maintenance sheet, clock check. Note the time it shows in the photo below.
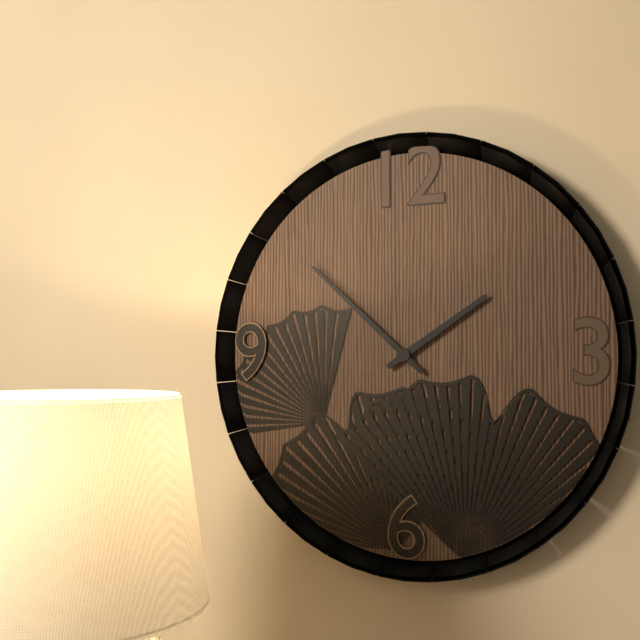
1:52
